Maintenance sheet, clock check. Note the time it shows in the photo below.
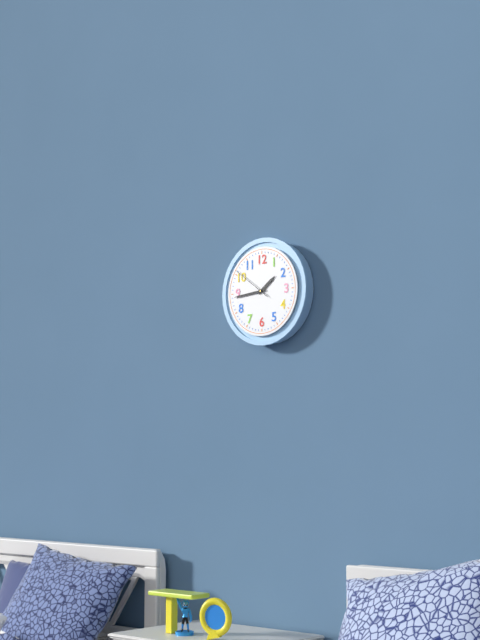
1:44
